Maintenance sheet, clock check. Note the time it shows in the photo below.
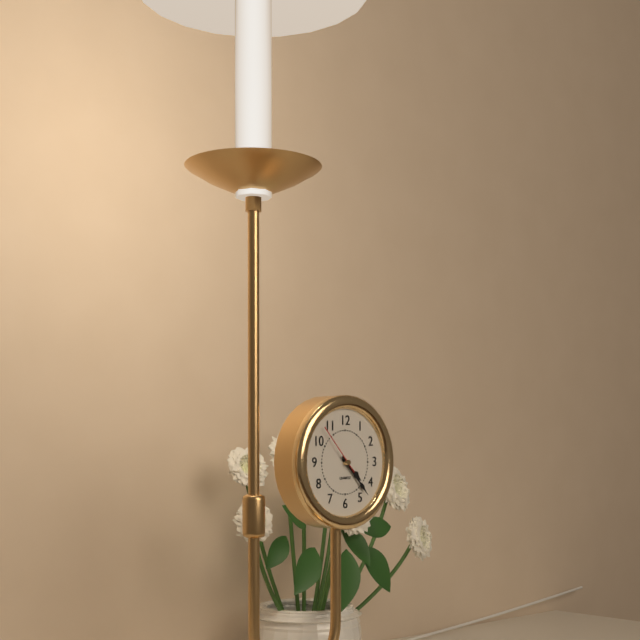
4:23:53
